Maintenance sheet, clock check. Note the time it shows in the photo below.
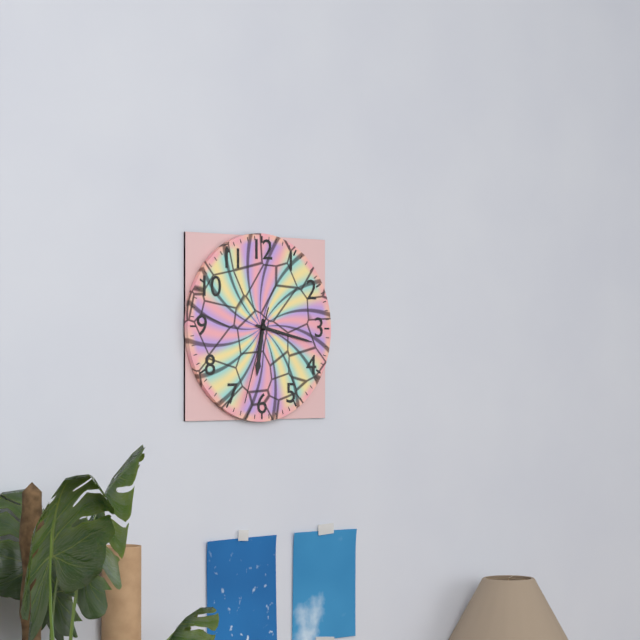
6:17:33
